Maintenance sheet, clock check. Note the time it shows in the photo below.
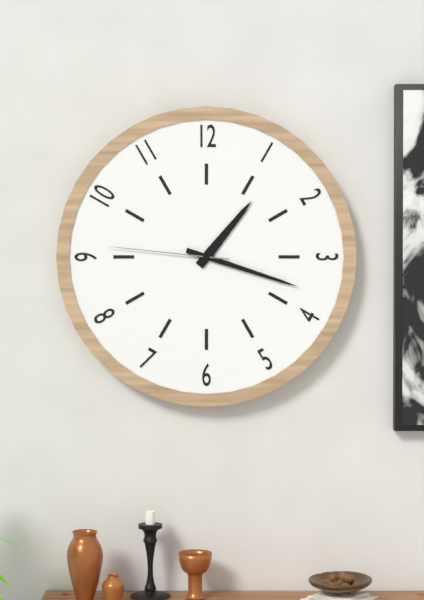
1:18:46
